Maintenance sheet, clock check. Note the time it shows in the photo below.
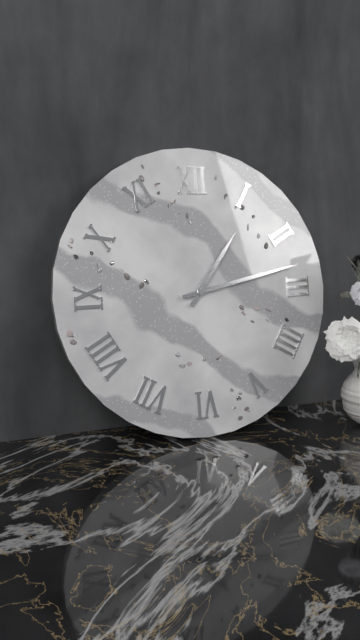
1:13
